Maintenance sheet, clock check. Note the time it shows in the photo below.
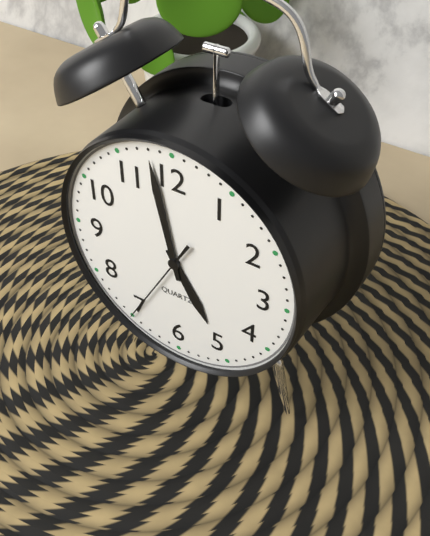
4:58:35
